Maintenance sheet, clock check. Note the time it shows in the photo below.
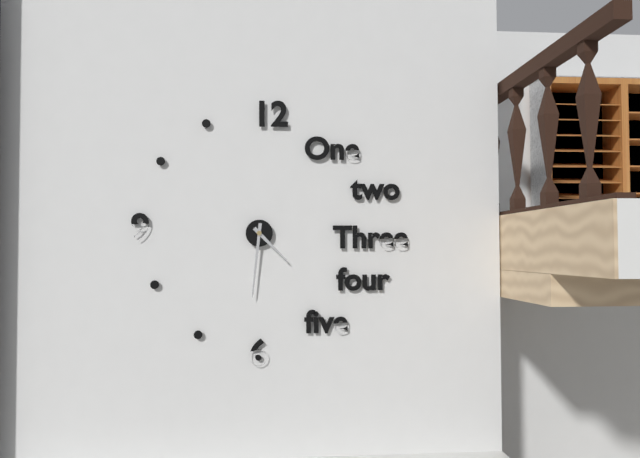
4:31
